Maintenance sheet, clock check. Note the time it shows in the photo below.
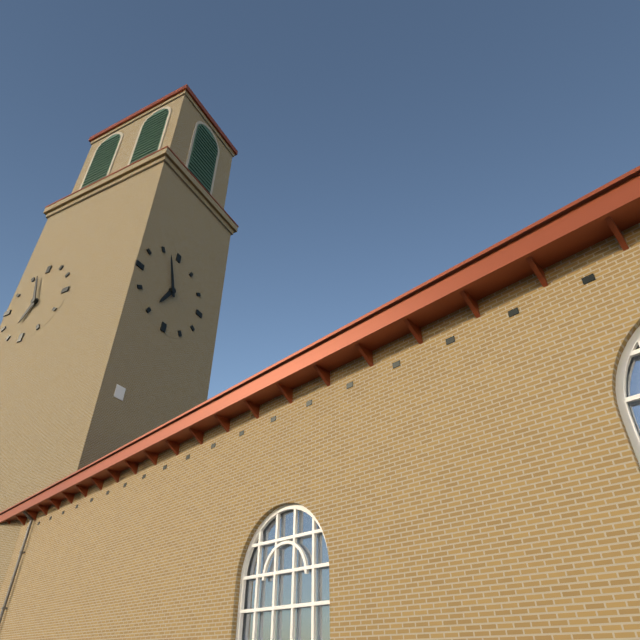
6:57
